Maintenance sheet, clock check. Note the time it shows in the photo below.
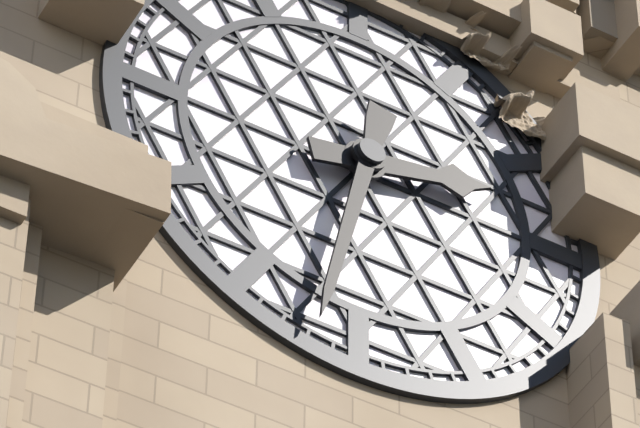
2:32
